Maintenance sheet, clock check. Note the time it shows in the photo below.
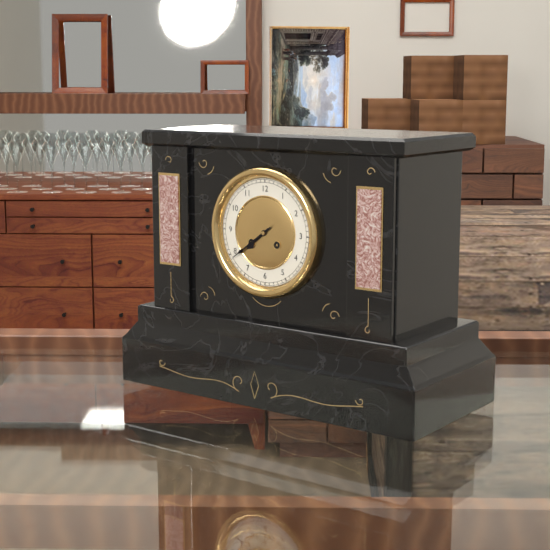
7:39
